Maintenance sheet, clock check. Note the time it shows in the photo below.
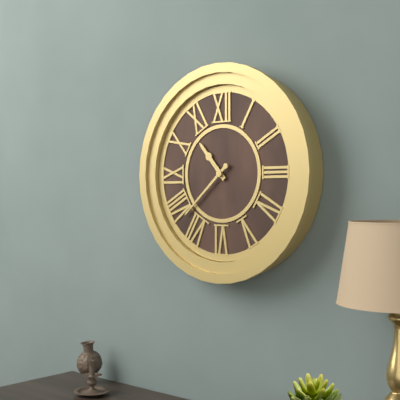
10:38
